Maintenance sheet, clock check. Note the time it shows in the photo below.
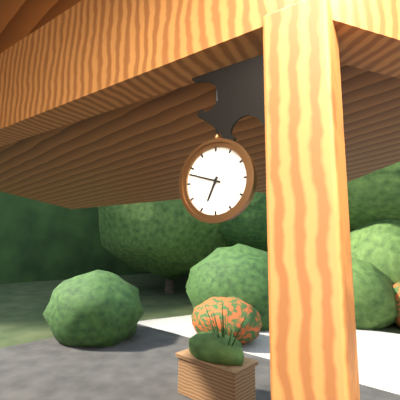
6:48
